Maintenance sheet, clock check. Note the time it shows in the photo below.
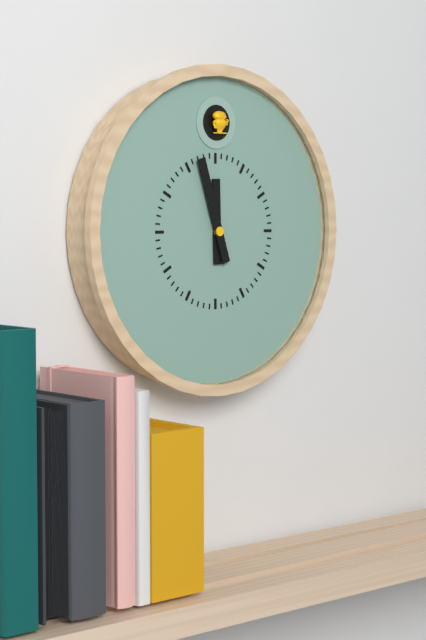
11:57
